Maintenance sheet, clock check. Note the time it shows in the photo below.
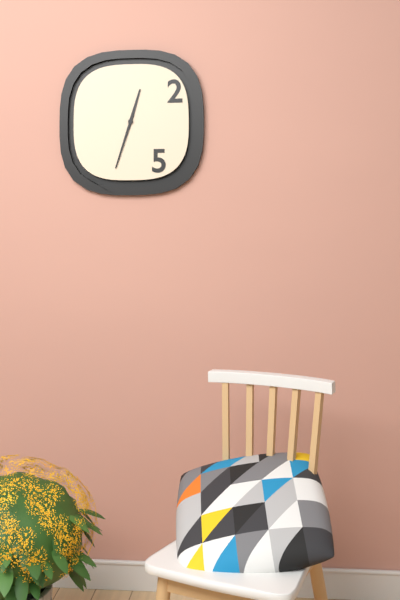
12:33
